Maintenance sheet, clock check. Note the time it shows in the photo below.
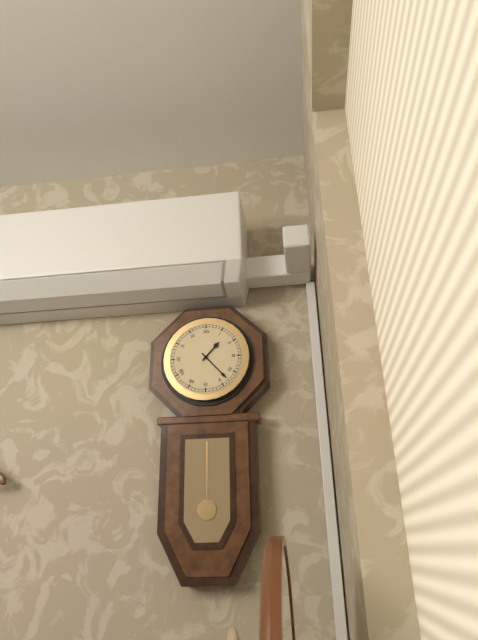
1:23
